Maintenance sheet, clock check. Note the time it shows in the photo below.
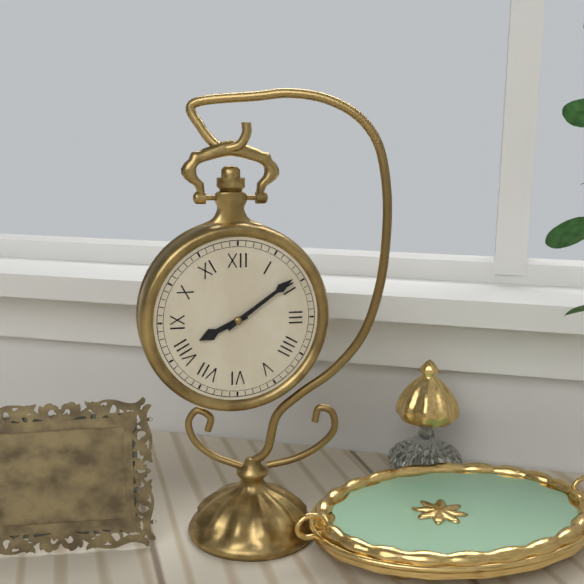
8:09
